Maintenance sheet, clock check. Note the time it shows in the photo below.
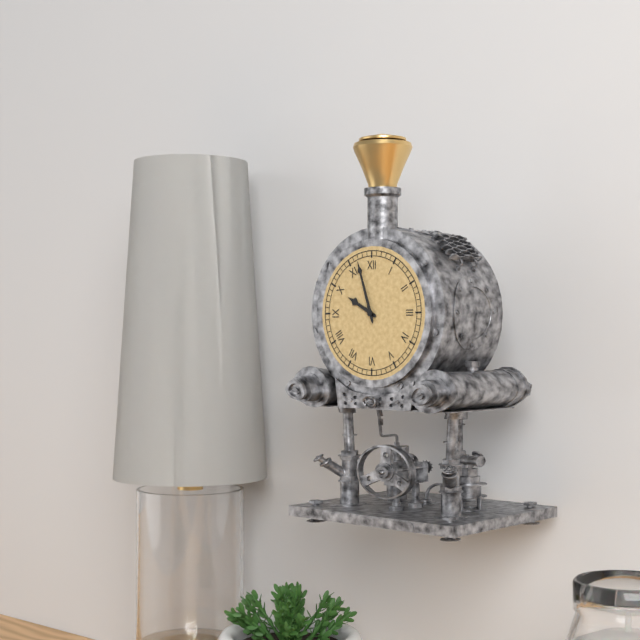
9:57
